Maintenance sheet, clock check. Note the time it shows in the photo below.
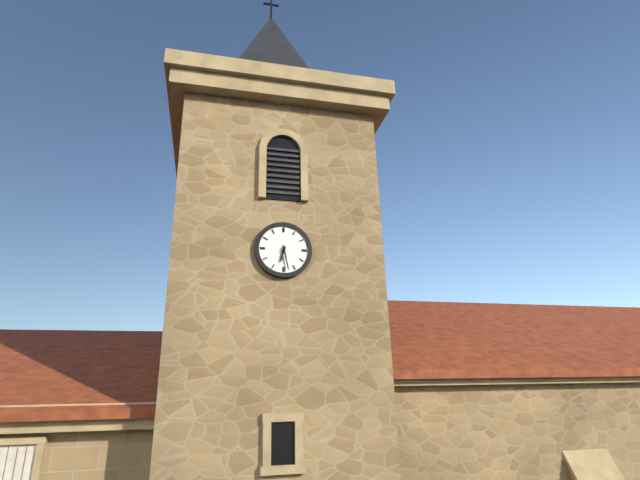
6:28
